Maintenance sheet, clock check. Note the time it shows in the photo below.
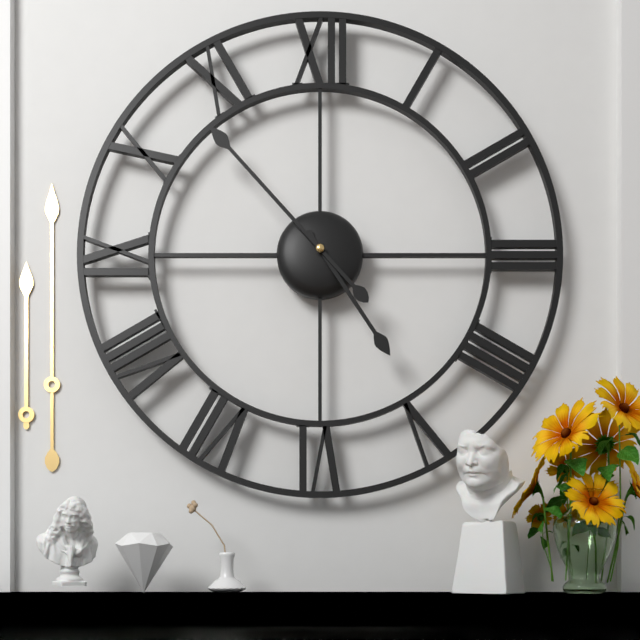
4:53
